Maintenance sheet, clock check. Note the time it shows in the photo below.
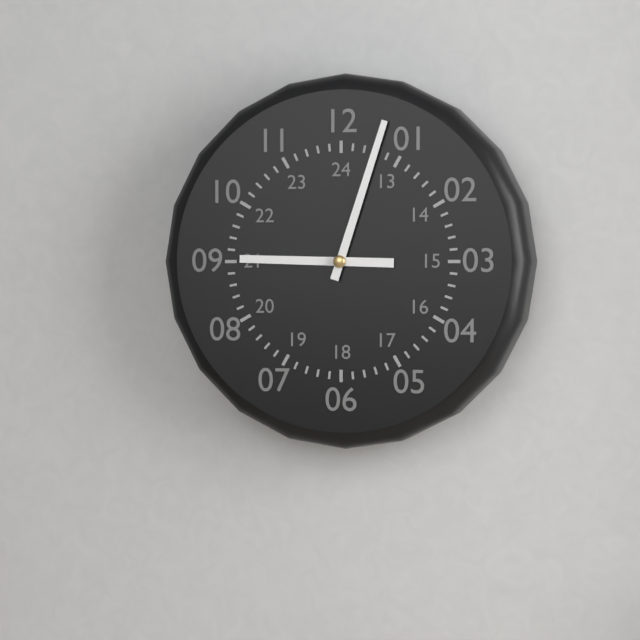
9:03
